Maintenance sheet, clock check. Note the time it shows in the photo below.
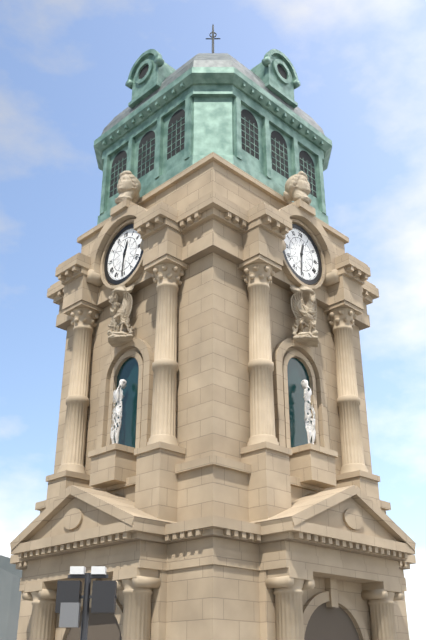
12:31
